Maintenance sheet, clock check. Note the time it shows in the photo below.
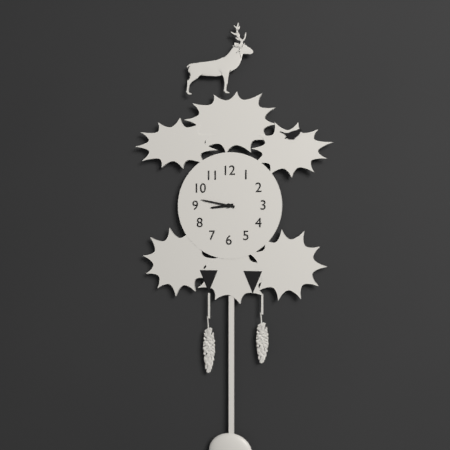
8:47
